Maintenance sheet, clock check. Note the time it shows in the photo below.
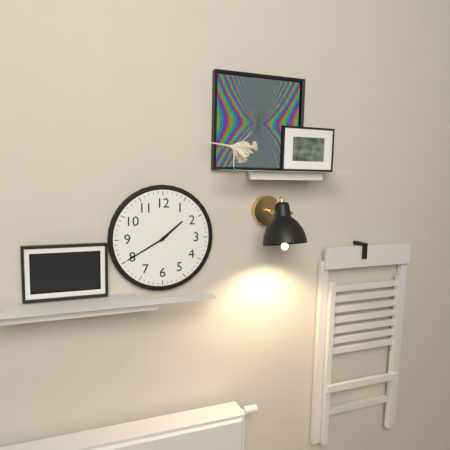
1:40
